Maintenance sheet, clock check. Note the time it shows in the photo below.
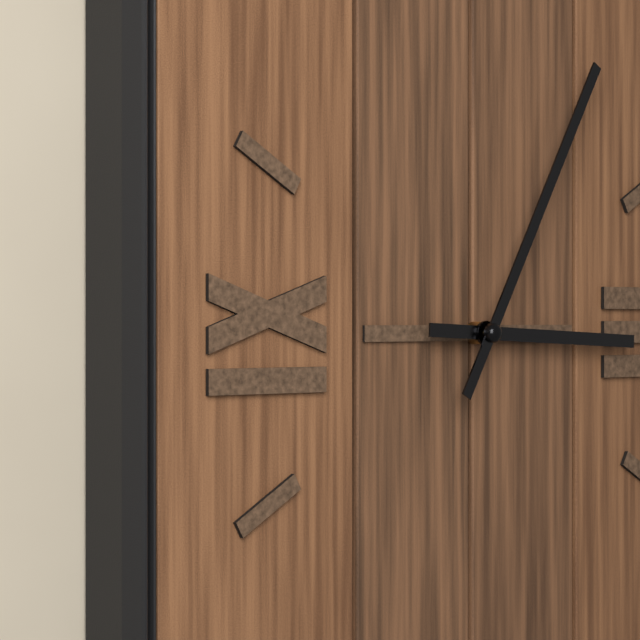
3:05
